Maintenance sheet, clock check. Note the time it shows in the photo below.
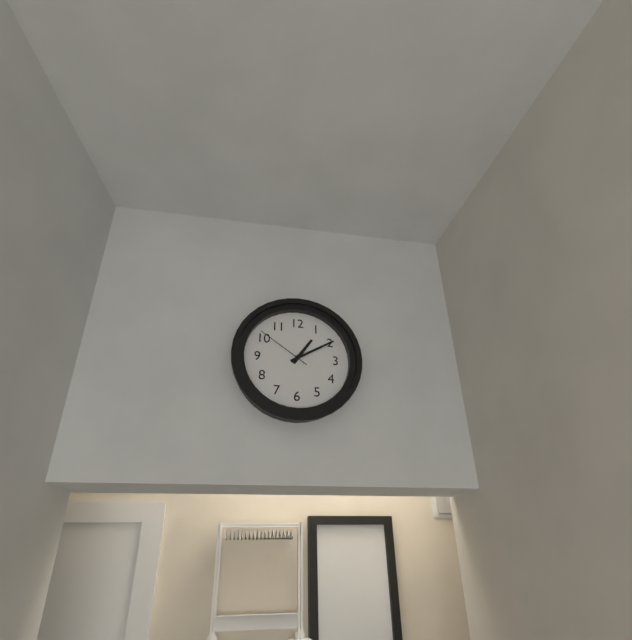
1:10:51
